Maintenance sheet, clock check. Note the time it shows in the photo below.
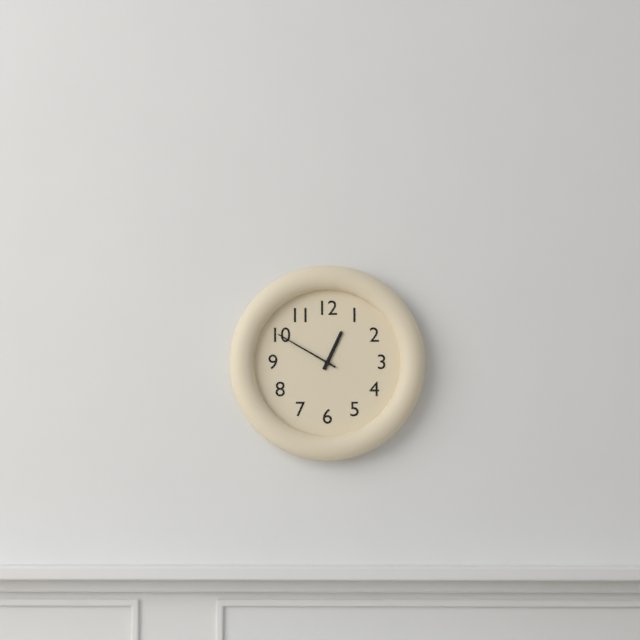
12:50
